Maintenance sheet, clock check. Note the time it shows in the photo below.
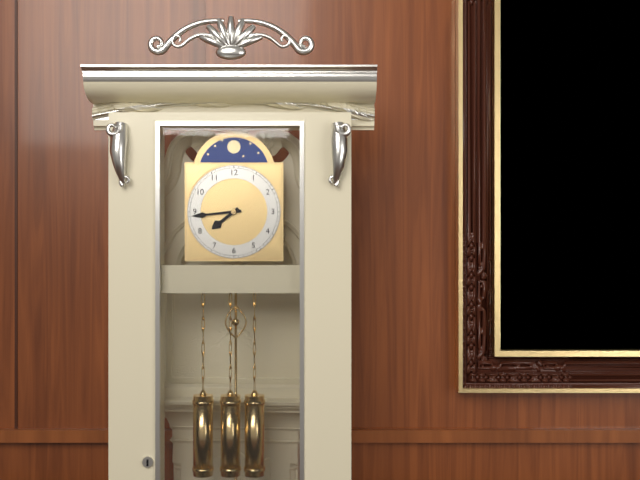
7:44
